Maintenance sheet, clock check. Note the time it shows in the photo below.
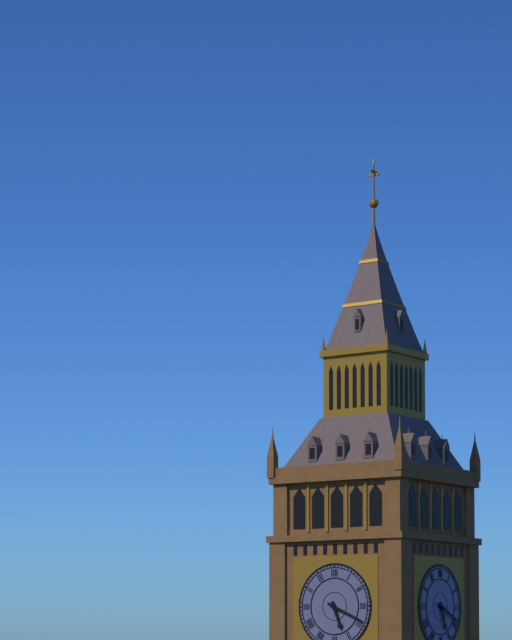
5:19
